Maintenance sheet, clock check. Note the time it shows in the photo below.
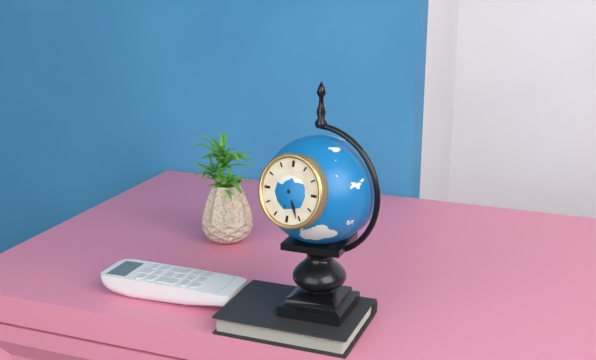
6:26
